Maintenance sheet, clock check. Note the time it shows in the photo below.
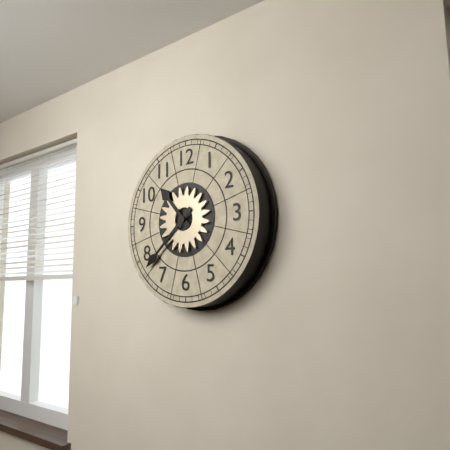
10:38
